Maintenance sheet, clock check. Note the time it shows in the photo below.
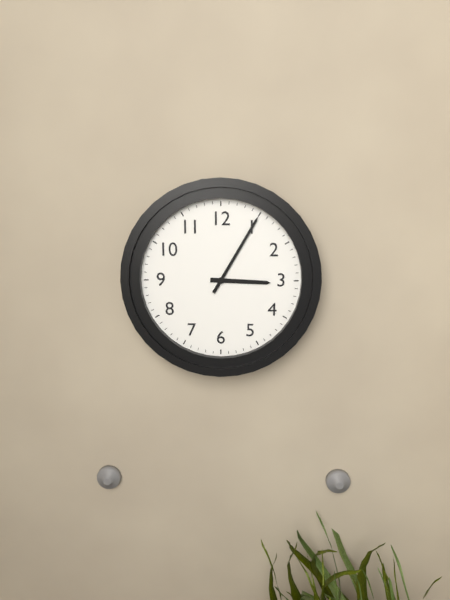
3:05
